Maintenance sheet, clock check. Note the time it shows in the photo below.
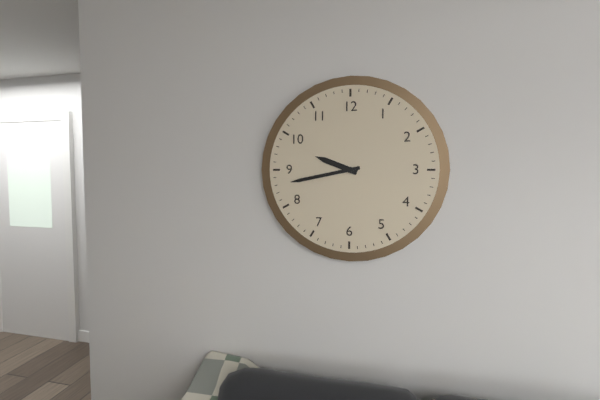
9:43
